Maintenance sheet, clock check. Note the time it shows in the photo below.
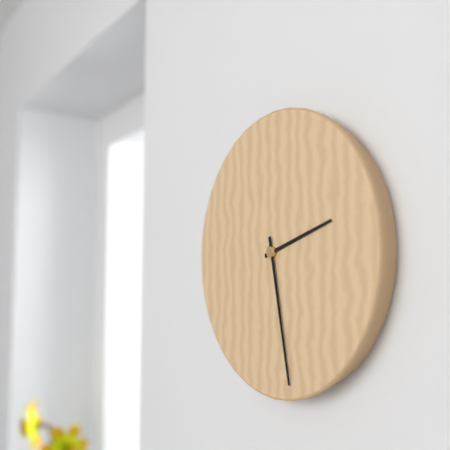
2:28
